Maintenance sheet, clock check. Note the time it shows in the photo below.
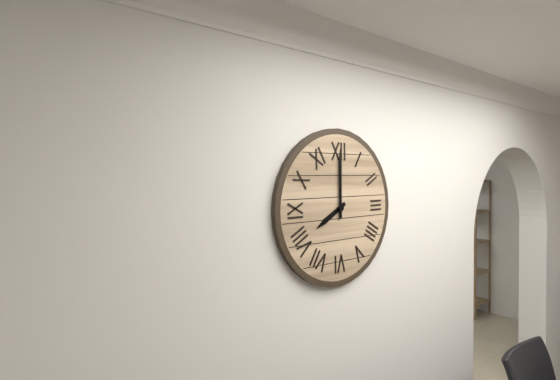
8:00
